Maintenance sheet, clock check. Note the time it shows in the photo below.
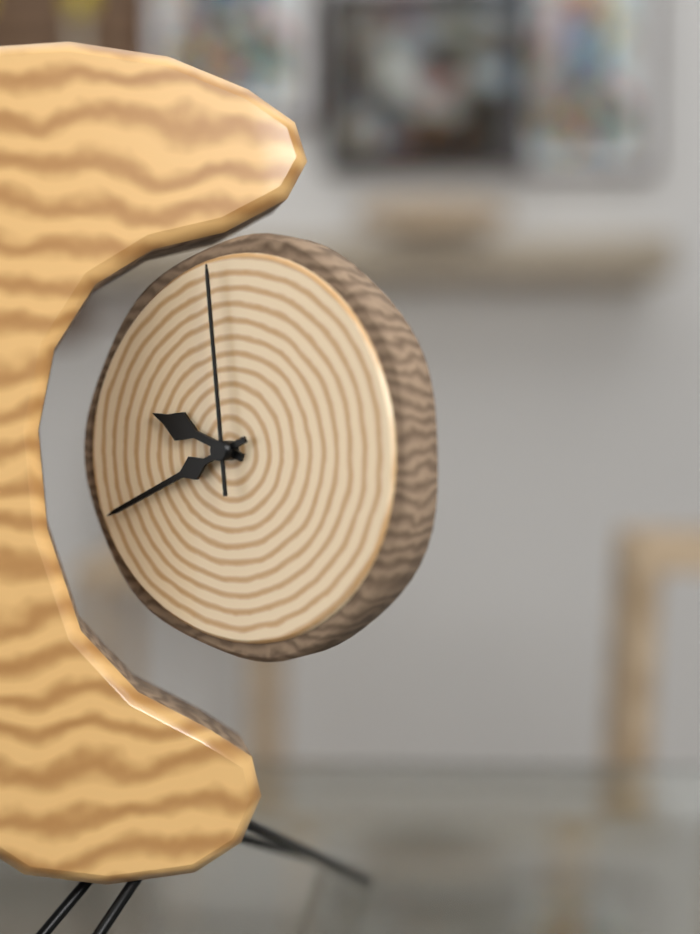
9:41:59
